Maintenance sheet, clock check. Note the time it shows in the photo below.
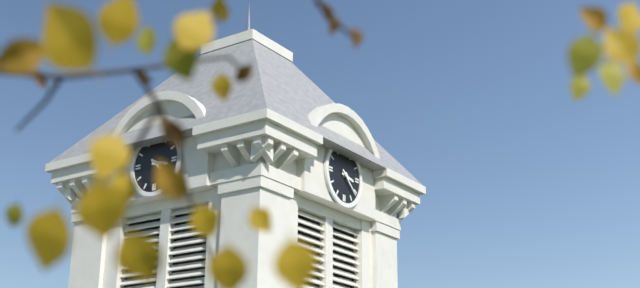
3:22
